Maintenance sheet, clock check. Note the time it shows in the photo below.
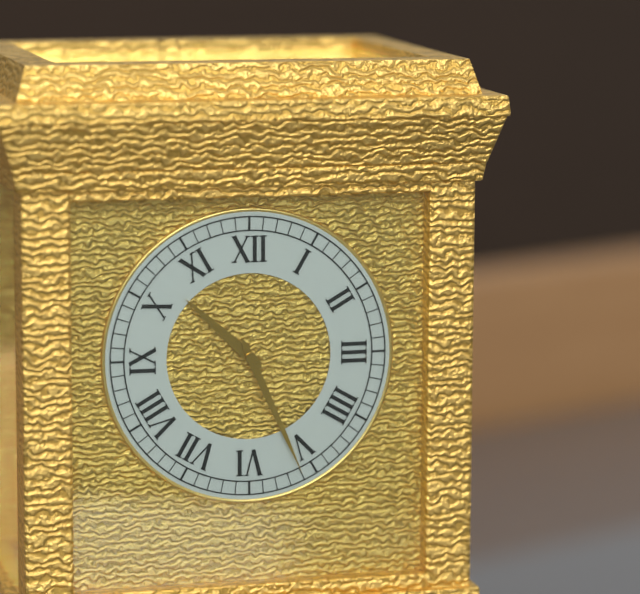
10:26
